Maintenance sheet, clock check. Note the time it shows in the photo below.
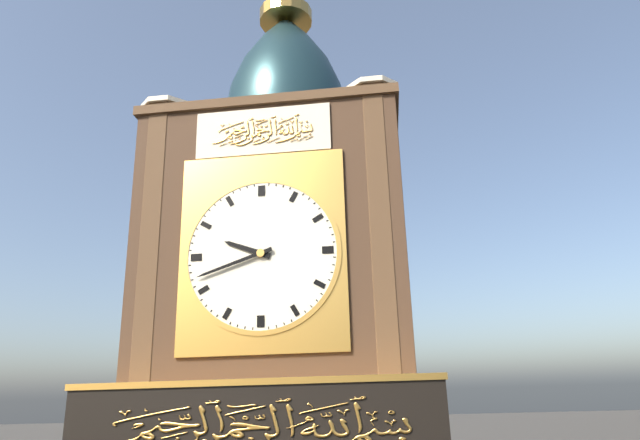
9:42
